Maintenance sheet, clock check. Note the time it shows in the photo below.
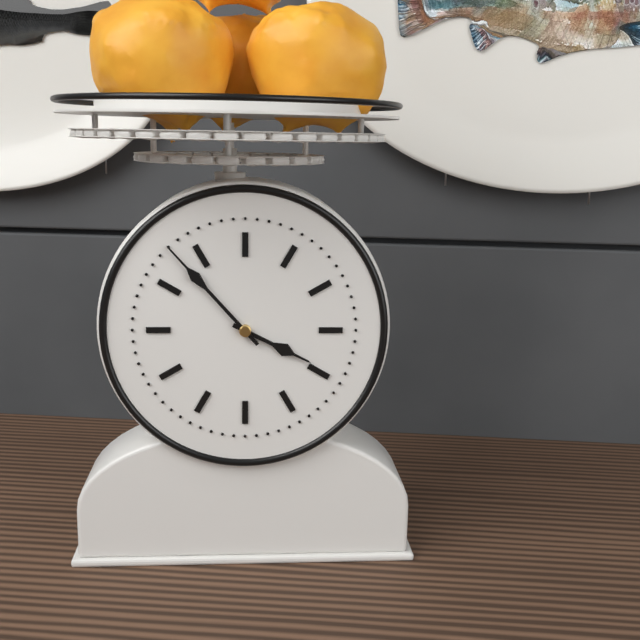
3:53
